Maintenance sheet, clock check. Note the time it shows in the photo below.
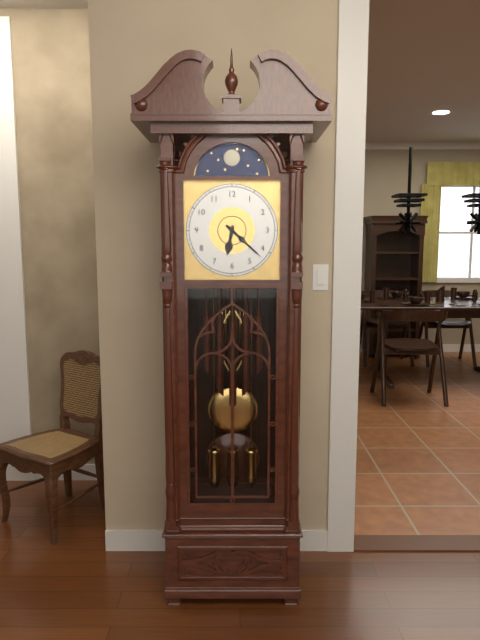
6:22
